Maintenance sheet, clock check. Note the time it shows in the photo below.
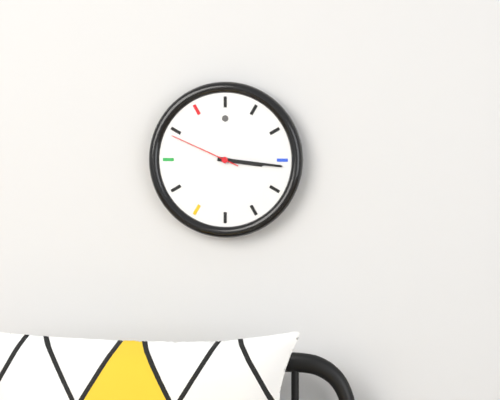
3:16:49
